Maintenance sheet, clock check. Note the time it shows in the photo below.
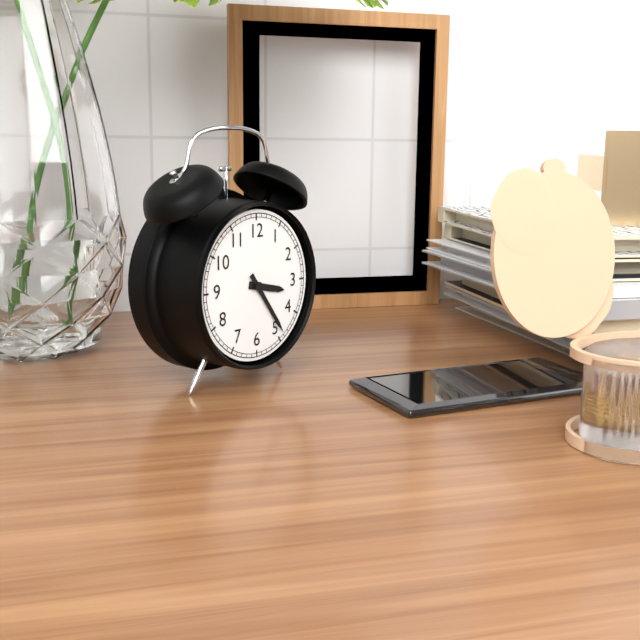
3:24
